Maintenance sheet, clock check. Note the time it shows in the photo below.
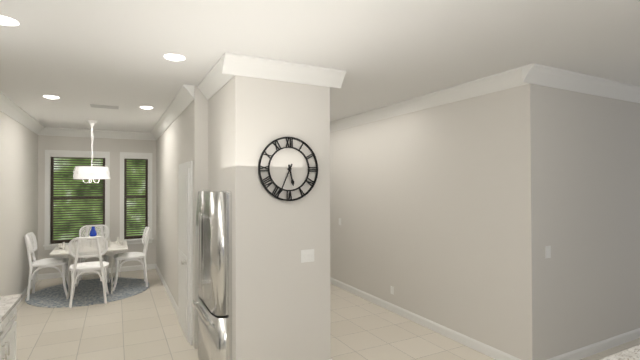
5:34
